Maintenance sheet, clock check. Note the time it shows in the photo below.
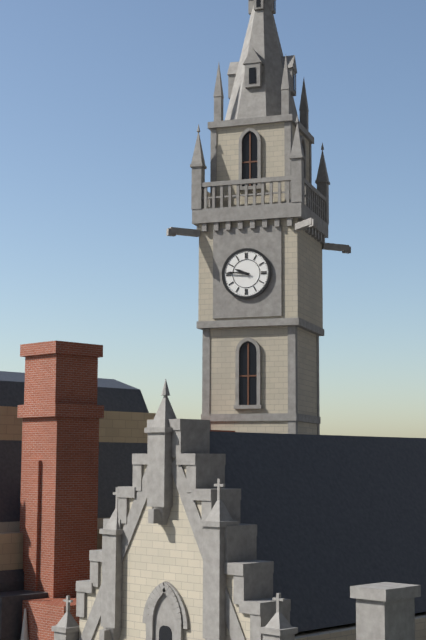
9:46
